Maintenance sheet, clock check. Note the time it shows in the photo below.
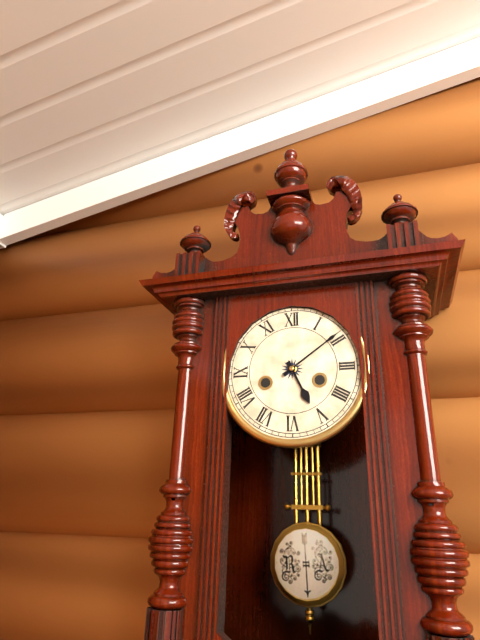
5:09
